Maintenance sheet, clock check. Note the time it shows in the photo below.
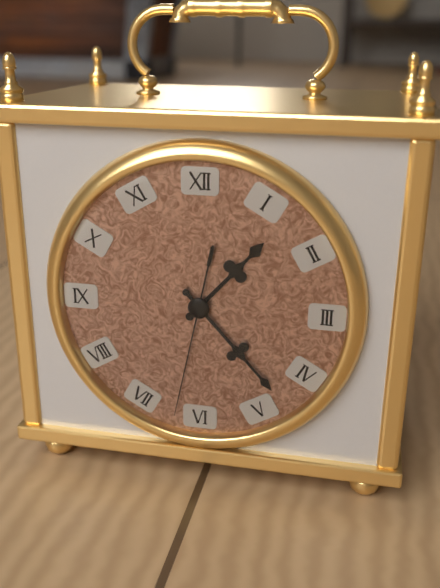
1:23:32
